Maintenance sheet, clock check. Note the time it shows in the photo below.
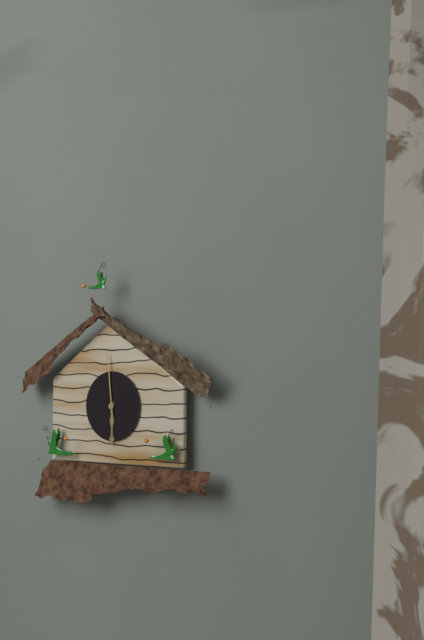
5:59
